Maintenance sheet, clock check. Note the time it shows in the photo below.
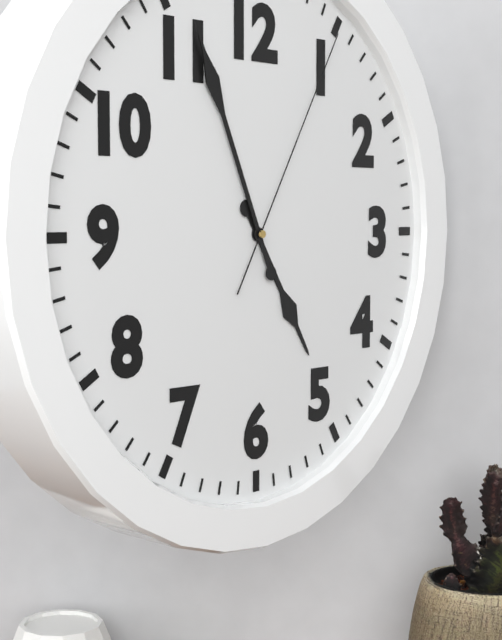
4:56:05
